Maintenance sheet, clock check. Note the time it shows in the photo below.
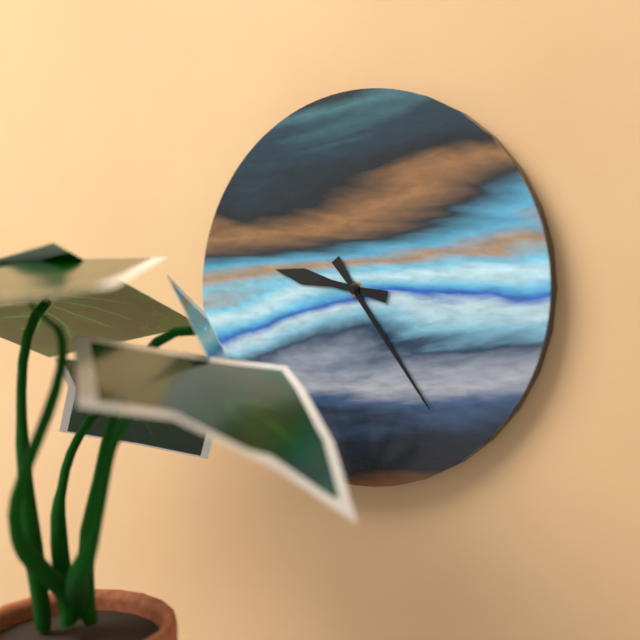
9:24
